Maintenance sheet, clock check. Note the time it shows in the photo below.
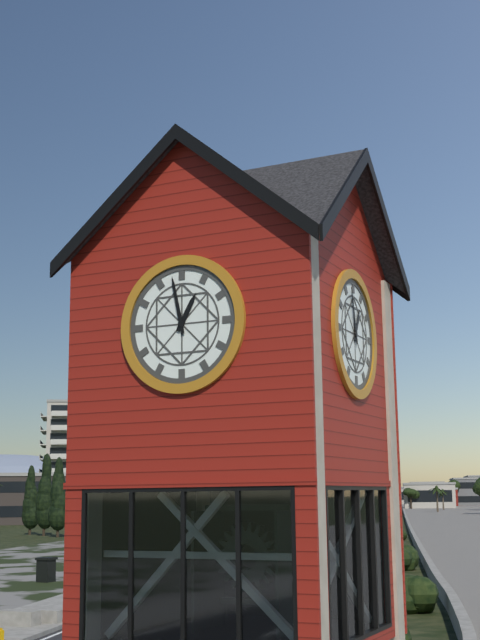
12:58
